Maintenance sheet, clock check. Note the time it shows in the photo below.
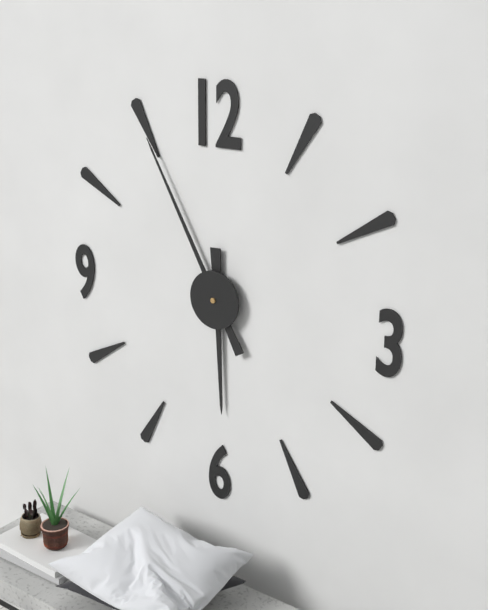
5:55
